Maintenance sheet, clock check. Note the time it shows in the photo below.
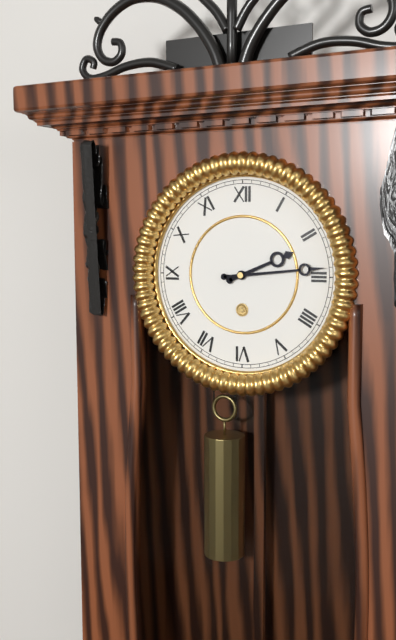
2:14
